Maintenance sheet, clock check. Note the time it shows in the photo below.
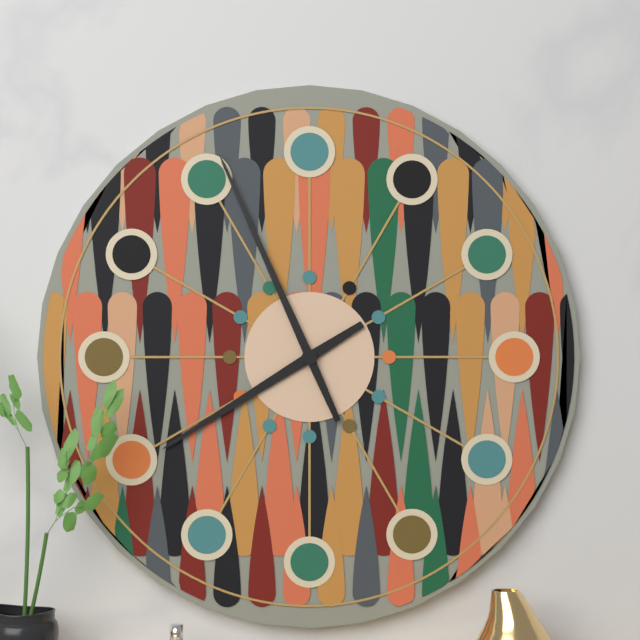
7:56
